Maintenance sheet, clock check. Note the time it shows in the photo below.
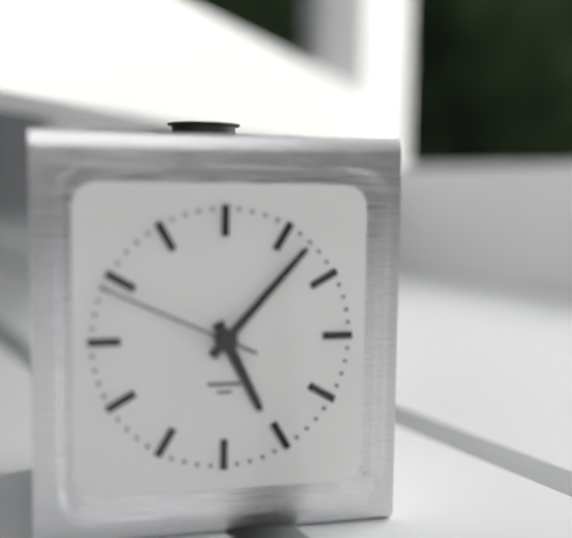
5:07:49
